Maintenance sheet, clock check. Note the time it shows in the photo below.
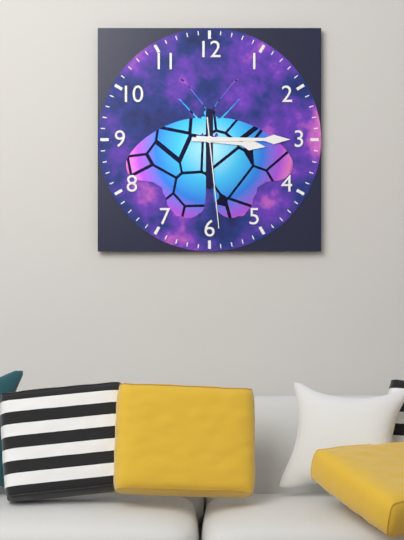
3:15:29
